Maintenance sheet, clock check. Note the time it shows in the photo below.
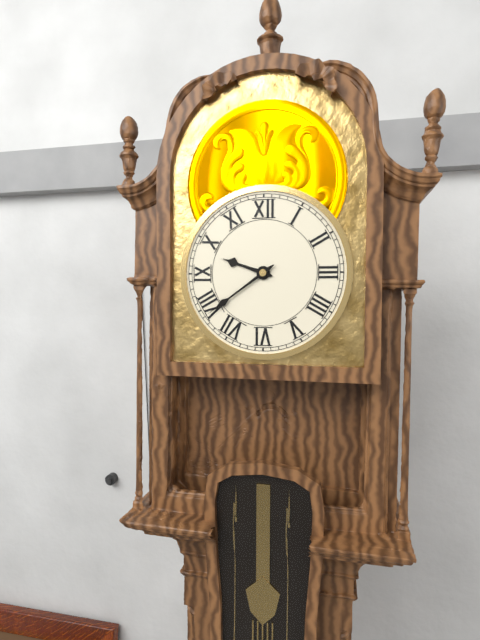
9:39
